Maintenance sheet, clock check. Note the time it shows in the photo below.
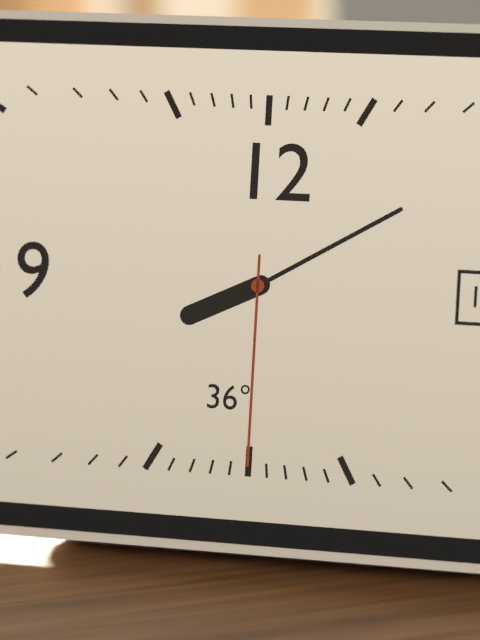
8:10:30
